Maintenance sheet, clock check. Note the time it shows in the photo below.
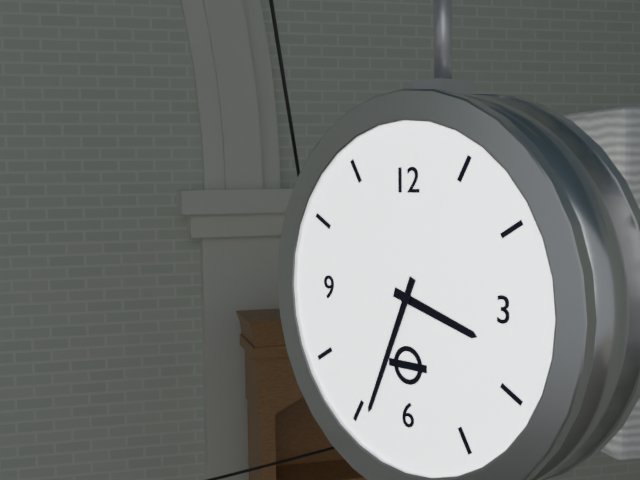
3:34
